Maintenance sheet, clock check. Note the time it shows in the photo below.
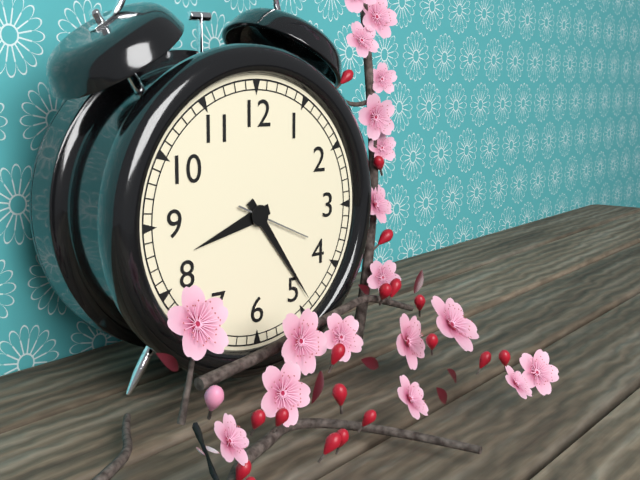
8:24:19
